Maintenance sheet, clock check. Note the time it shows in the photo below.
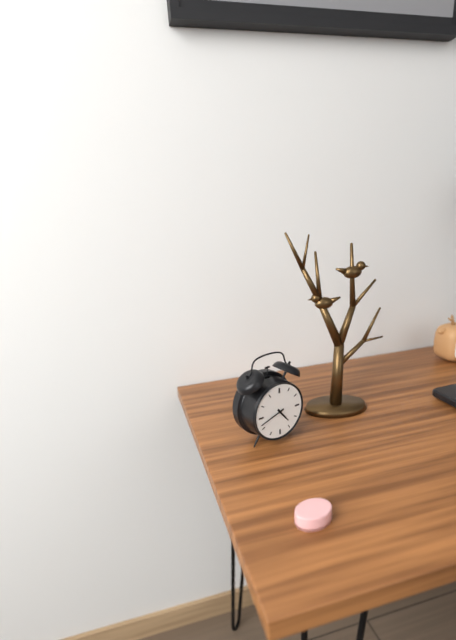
4:42
